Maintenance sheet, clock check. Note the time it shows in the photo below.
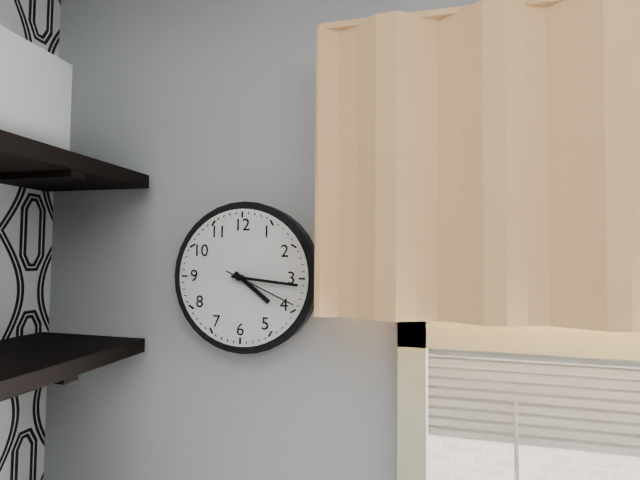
4:16:19
